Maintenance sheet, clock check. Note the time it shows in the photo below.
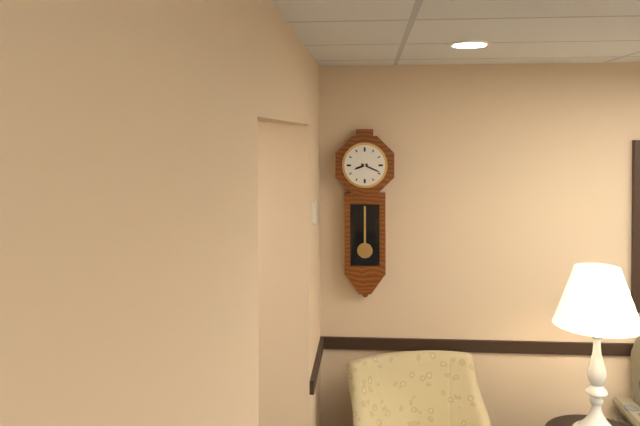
8:19
